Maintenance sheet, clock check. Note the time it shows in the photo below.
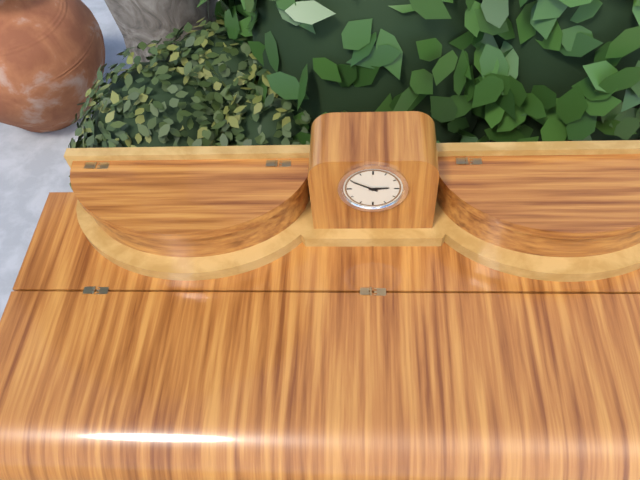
2:50
